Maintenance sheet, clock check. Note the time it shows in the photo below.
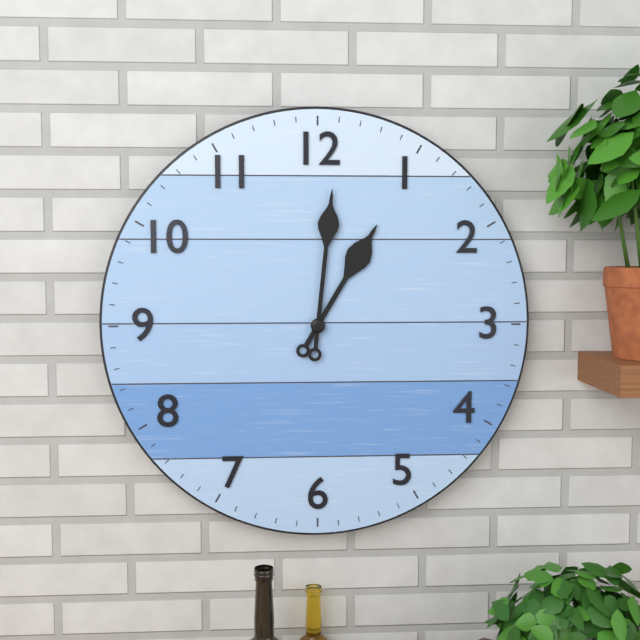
1:01
